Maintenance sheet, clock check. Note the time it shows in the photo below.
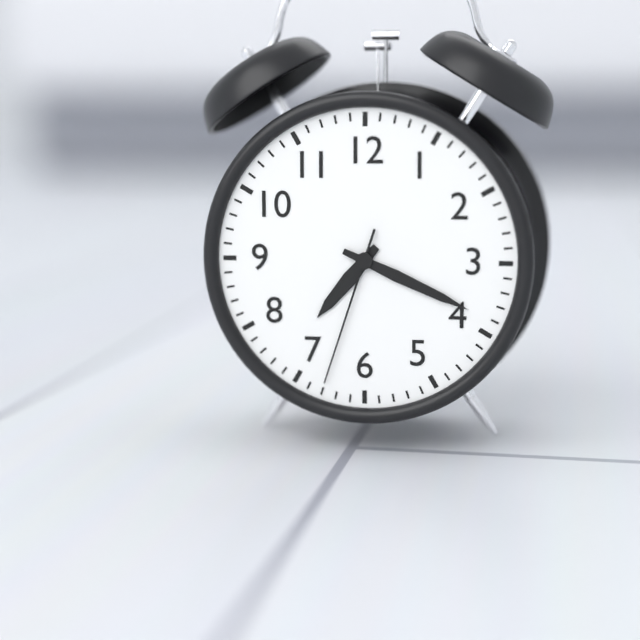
7:19:33
